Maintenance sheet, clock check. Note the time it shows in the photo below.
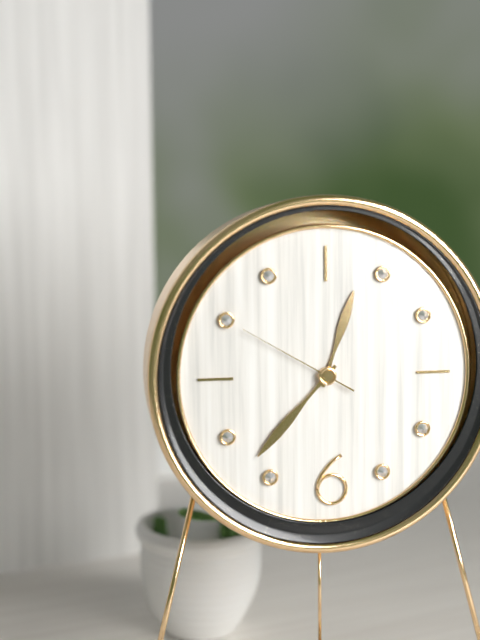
12:37:50
